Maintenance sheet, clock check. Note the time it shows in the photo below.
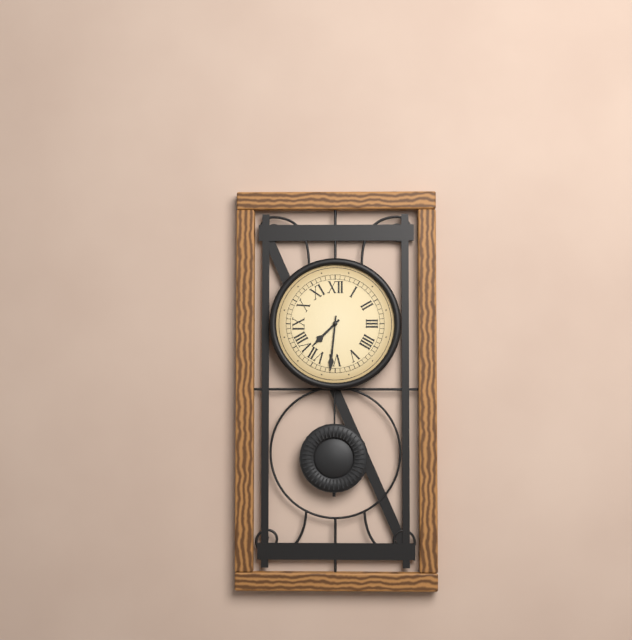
7:31
